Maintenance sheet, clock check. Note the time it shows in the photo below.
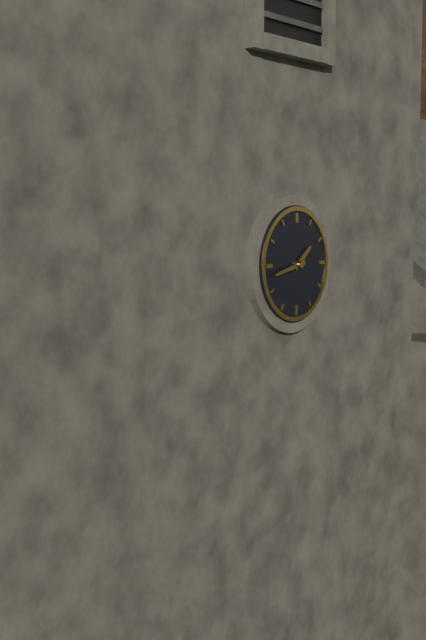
1:43
